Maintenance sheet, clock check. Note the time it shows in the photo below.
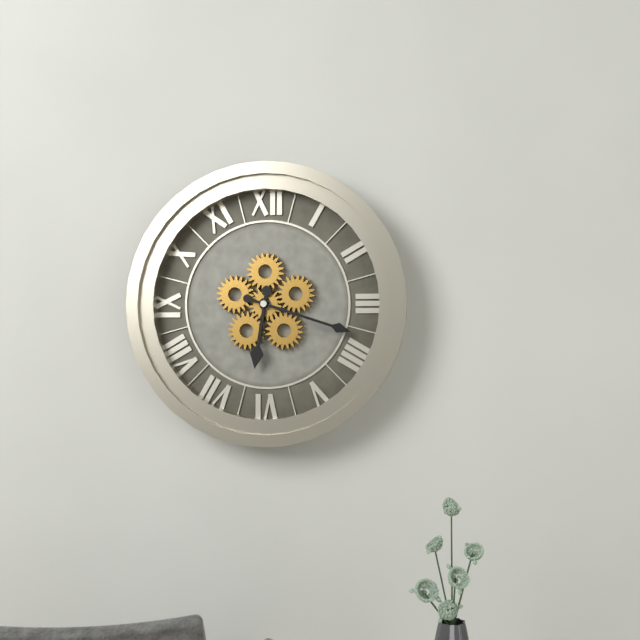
6:18
